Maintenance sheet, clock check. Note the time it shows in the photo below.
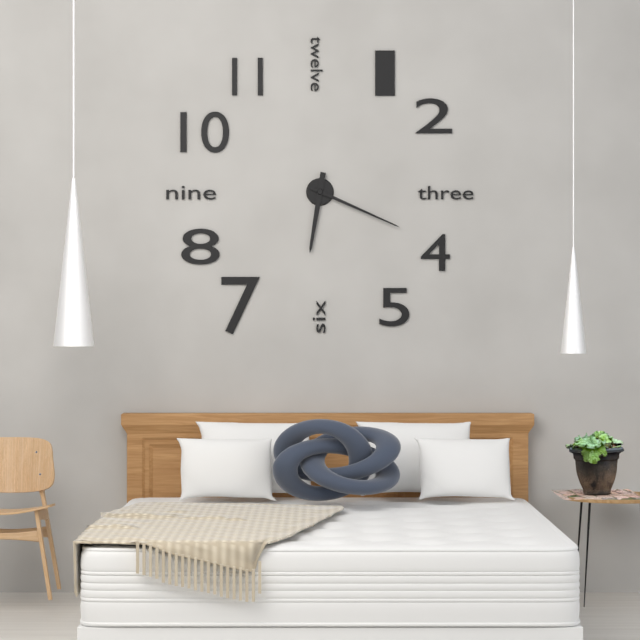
6:19
